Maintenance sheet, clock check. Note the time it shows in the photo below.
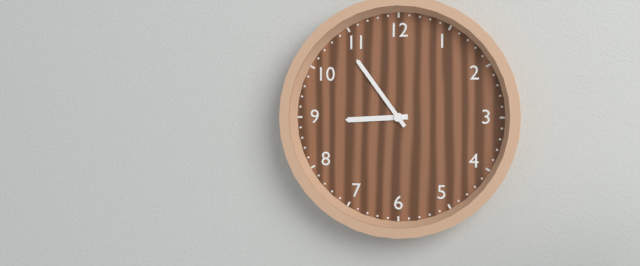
8:54
